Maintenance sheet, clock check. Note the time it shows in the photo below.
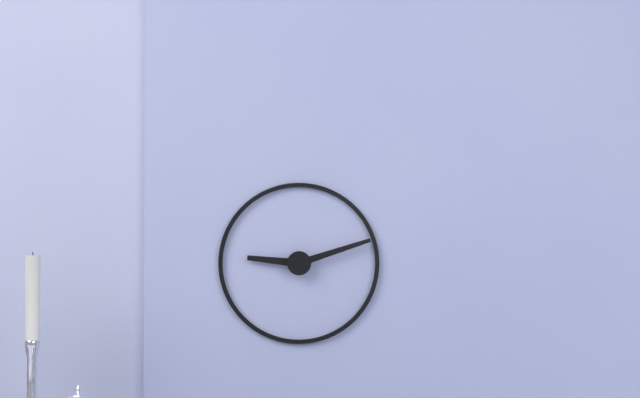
9:12
